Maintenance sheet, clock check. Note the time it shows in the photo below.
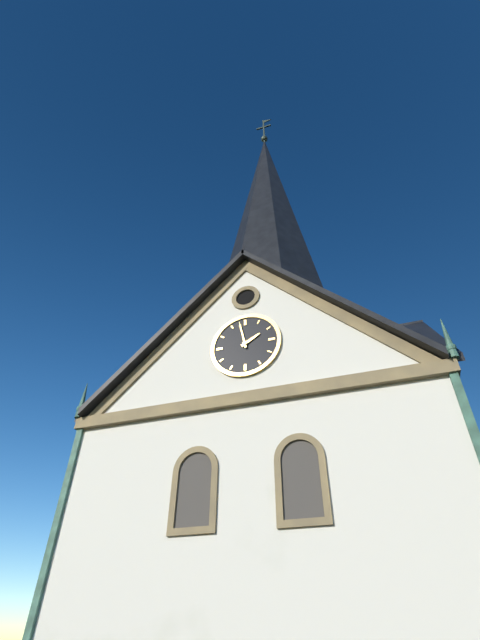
1:58
